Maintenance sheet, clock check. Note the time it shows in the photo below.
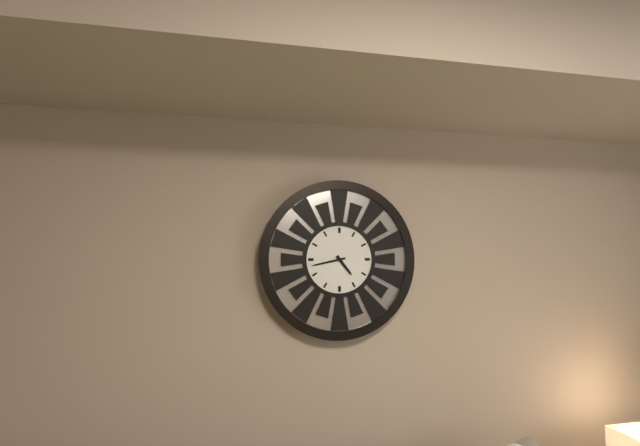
4:43
